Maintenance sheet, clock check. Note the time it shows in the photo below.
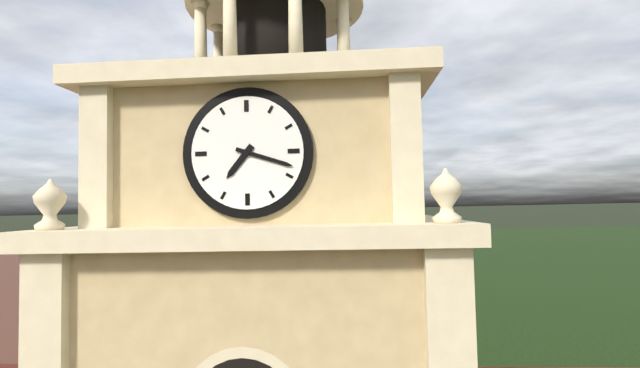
7:18
